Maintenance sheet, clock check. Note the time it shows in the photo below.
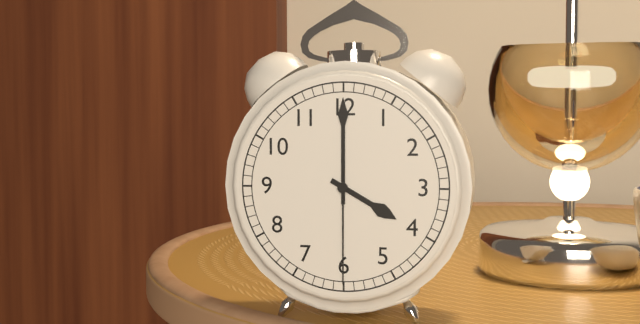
4:00:30
